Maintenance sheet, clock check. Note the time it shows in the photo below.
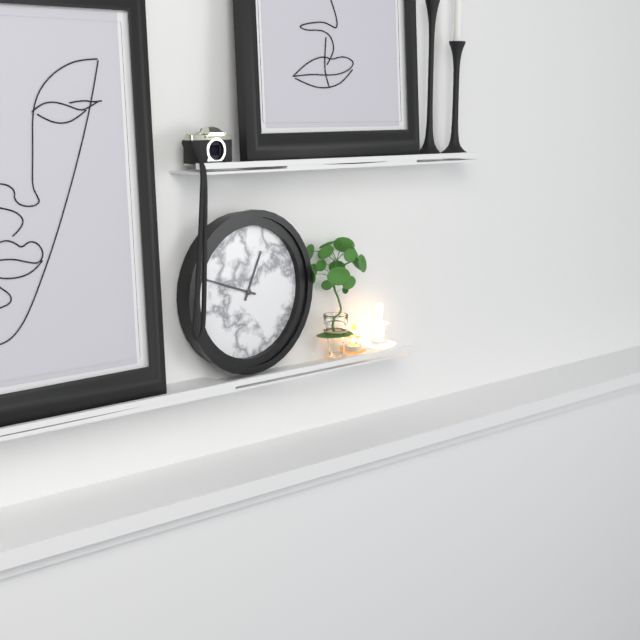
12:48
